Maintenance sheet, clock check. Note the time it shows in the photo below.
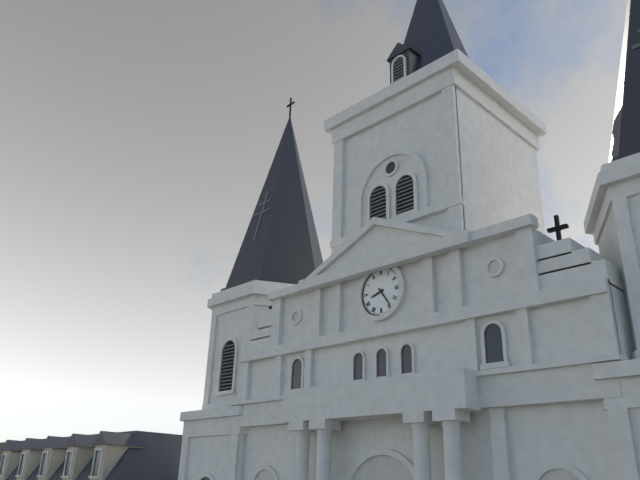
8:24
